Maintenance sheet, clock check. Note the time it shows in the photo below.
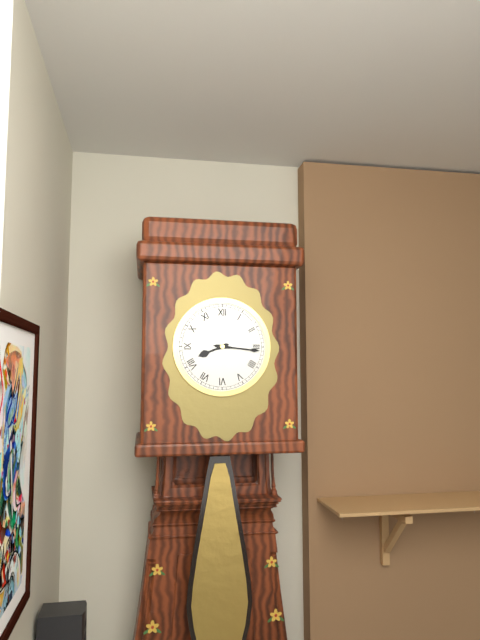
8:16
